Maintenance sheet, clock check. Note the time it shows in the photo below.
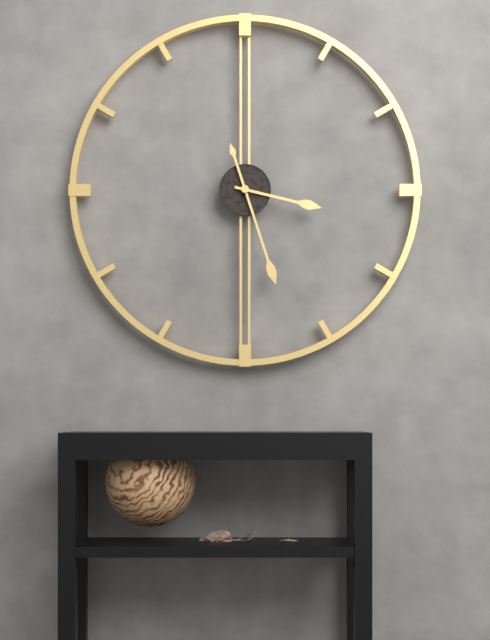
3:27
